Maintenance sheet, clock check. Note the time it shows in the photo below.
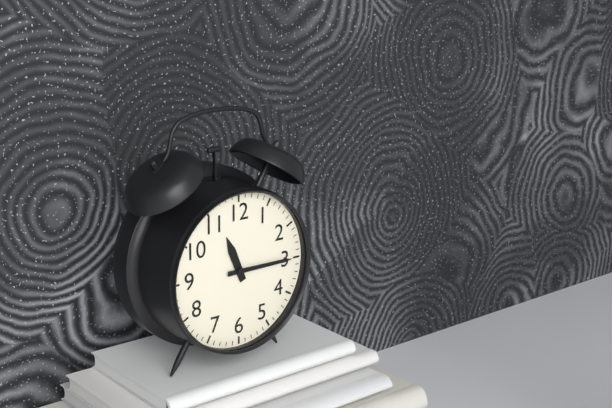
11:15
